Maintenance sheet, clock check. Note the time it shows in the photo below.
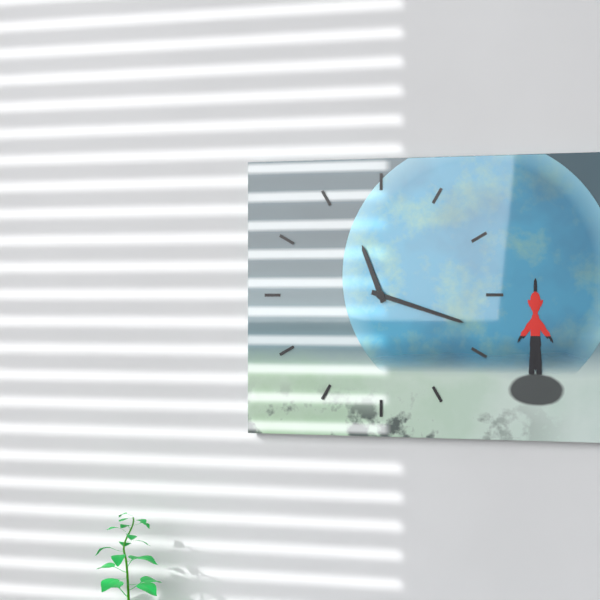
11:18
